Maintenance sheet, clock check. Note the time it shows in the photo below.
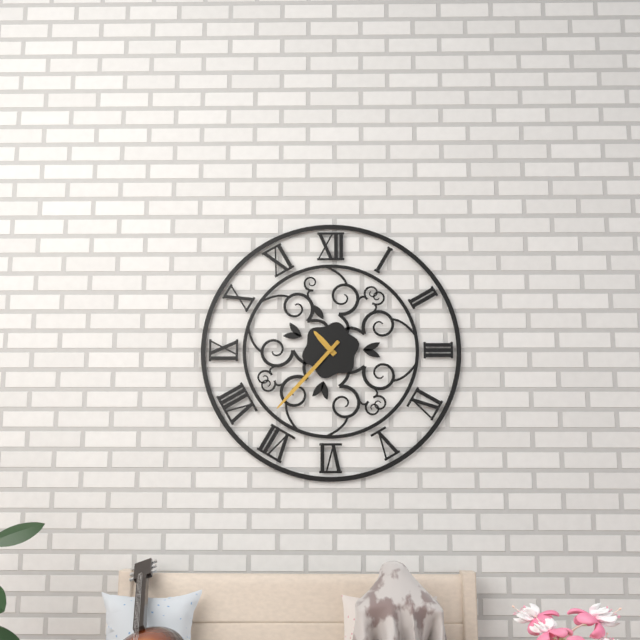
10:37
